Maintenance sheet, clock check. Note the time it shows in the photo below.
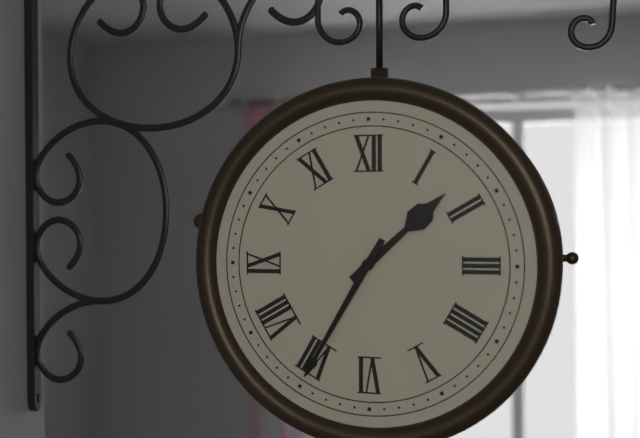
1:35
